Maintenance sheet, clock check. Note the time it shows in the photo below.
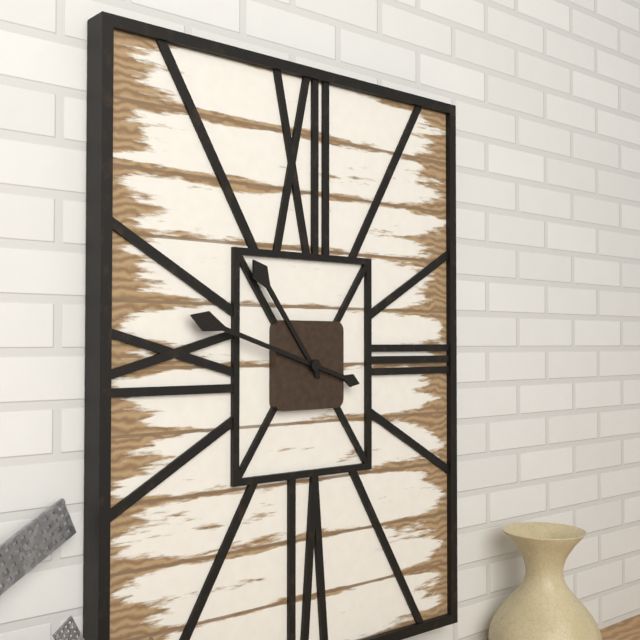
10:48
